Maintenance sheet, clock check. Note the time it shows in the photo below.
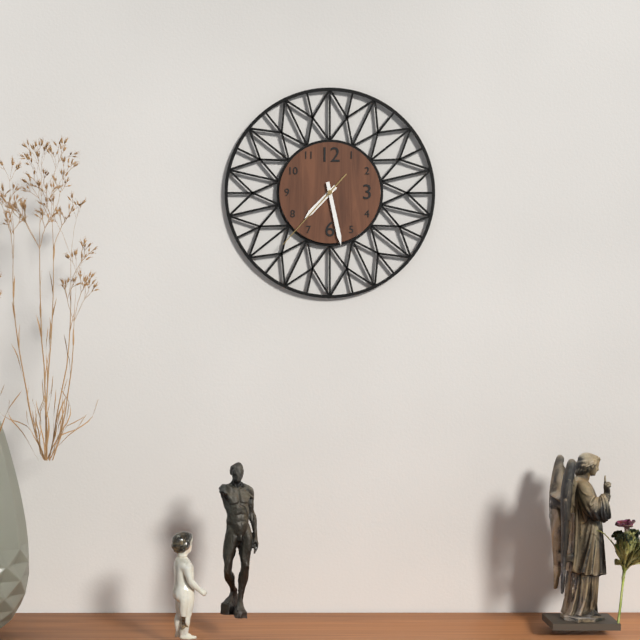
7:28:37
